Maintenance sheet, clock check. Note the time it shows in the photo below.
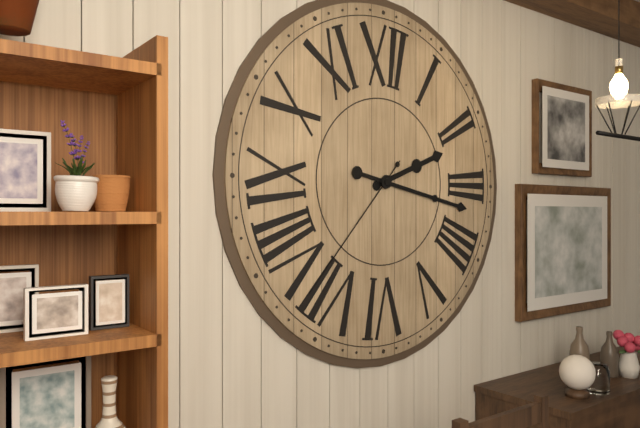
2:17:37
